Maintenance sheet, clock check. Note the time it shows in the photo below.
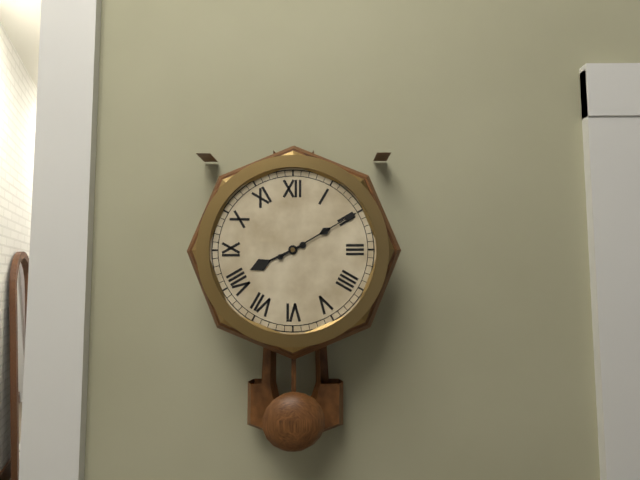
8:10
